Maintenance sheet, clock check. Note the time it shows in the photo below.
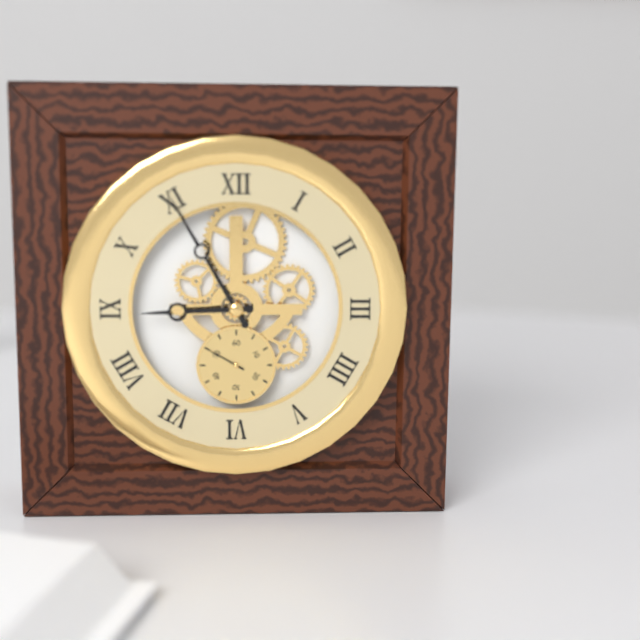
8:55
